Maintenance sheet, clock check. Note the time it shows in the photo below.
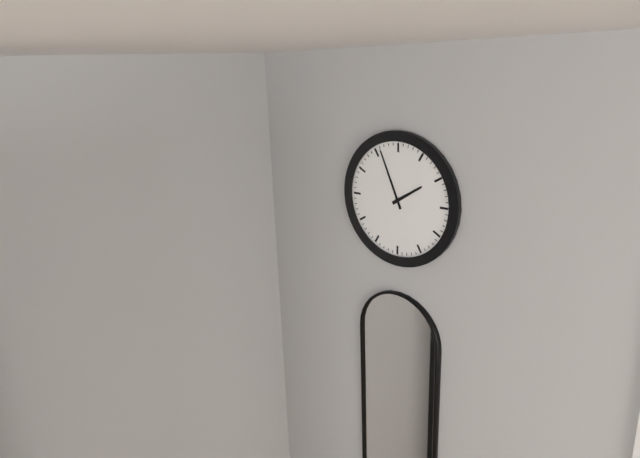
1:56
